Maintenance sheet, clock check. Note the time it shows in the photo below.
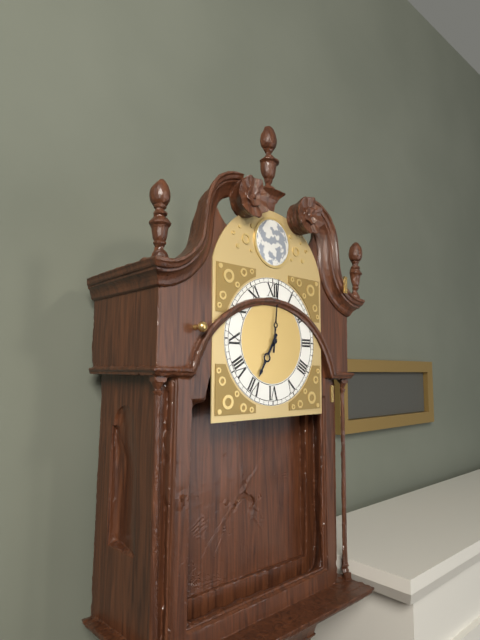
7:01
